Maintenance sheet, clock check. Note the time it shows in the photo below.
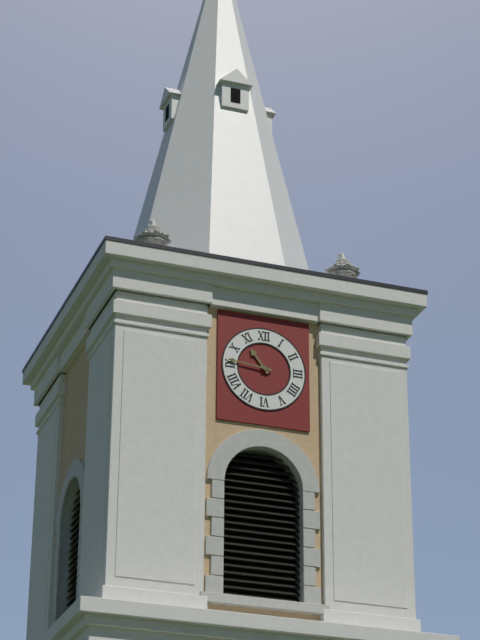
10:46
